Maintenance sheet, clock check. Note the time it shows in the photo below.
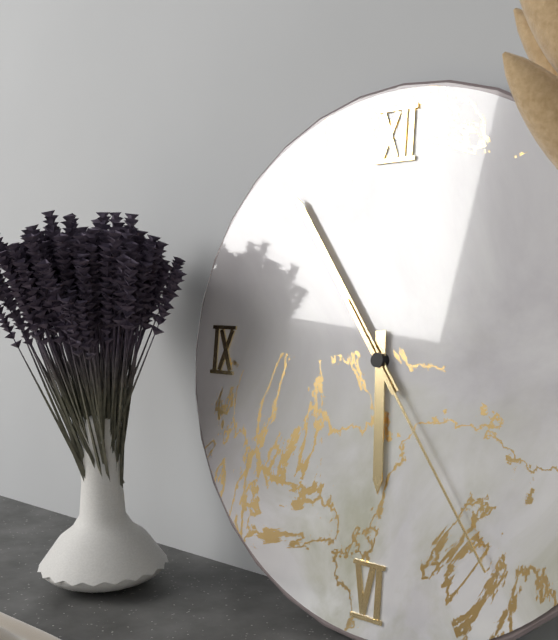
5:54:24
